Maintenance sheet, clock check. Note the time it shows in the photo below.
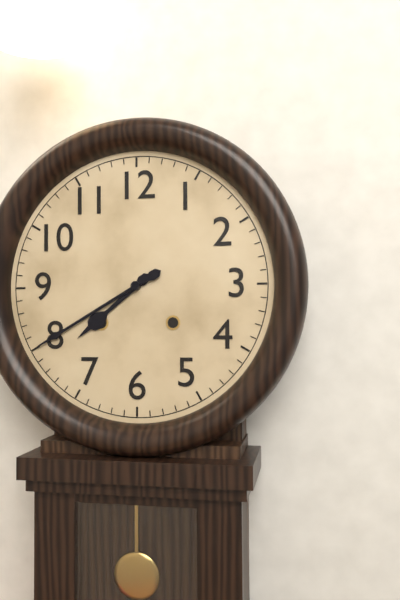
7:40
